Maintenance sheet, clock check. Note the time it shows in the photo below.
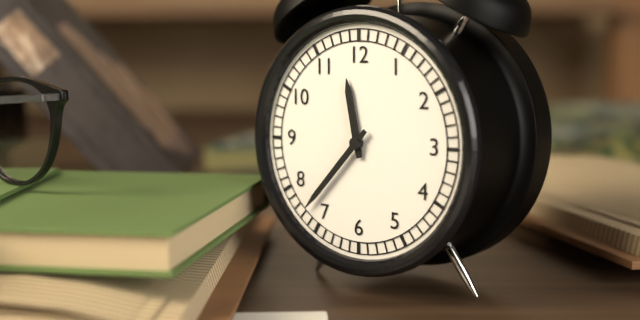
11:37
